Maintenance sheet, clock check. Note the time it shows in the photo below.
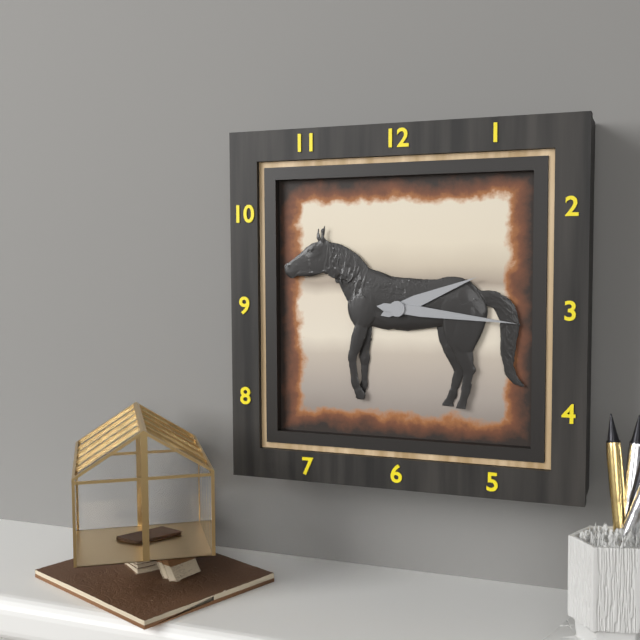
2:16
